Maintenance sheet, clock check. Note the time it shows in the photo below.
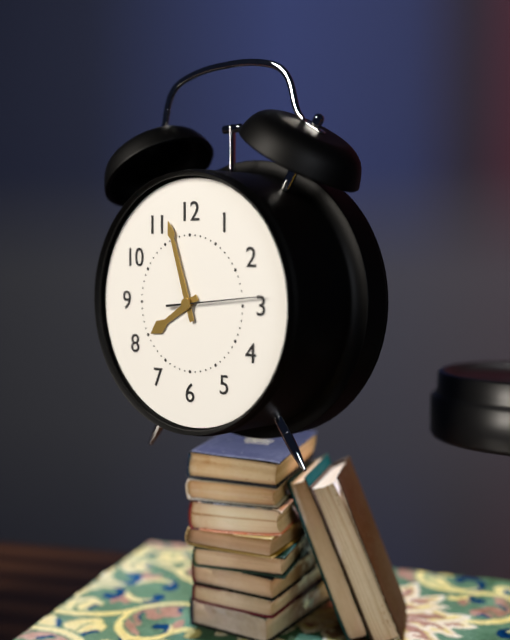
7:57:14
